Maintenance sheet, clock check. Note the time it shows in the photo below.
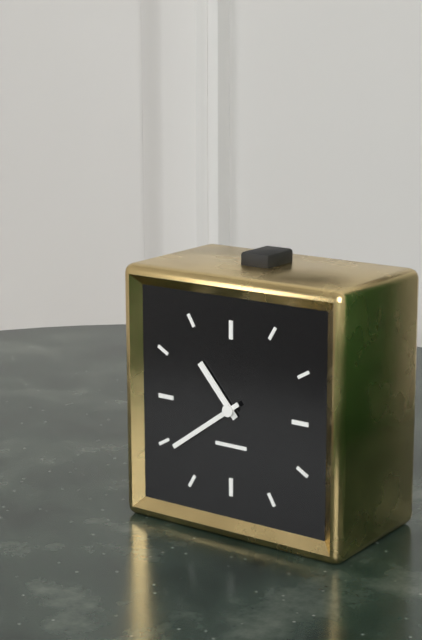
10:39
